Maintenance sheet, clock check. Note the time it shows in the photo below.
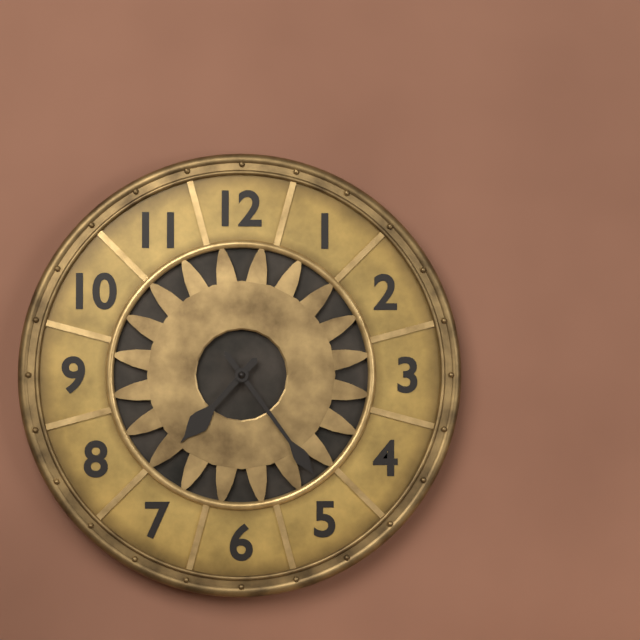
7:24
